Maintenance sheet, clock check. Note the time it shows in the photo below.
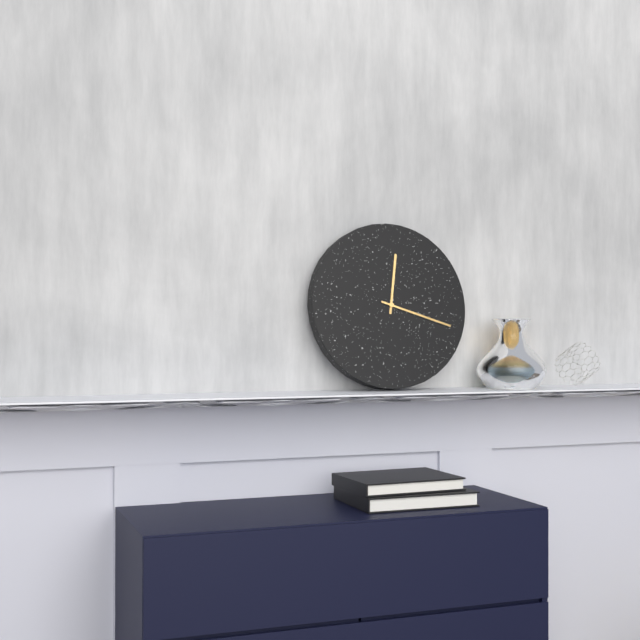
12:18
